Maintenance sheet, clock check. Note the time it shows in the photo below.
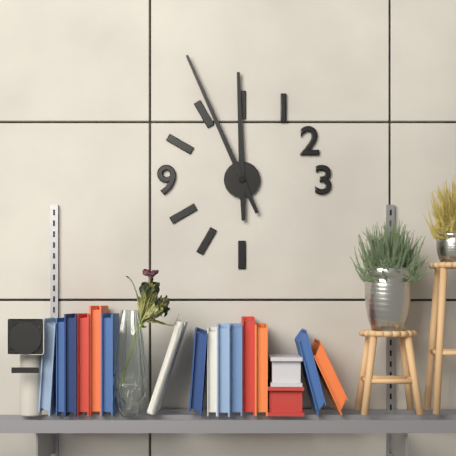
11:56
